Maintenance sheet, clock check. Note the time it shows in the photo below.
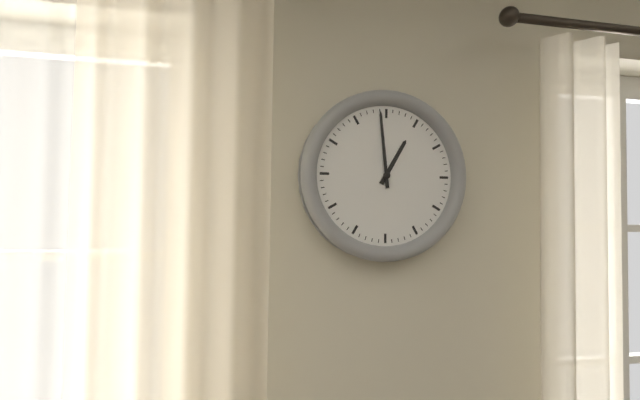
12:59
